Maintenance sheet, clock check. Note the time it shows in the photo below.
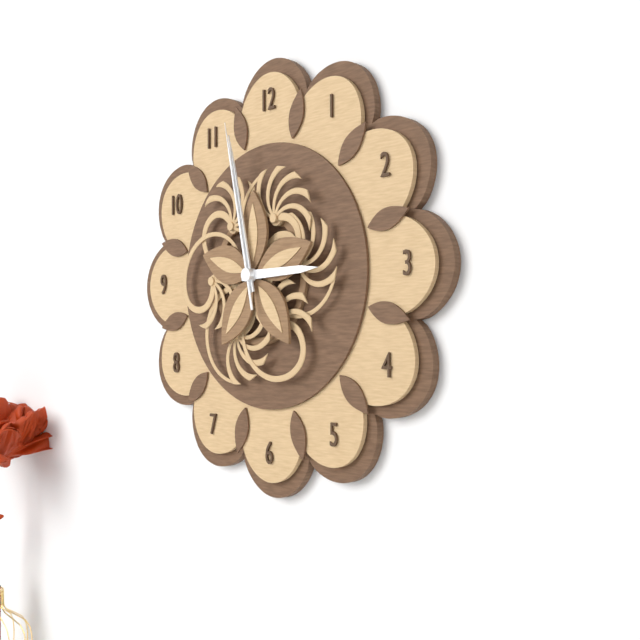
2:58:58
